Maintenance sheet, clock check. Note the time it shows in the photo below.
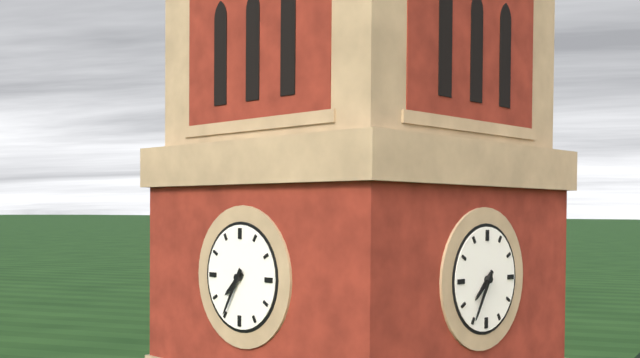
7:35
